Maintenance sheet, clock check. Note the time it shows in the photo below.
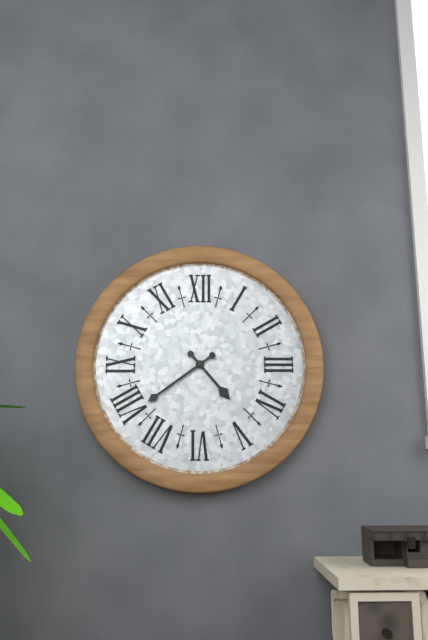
4:39
